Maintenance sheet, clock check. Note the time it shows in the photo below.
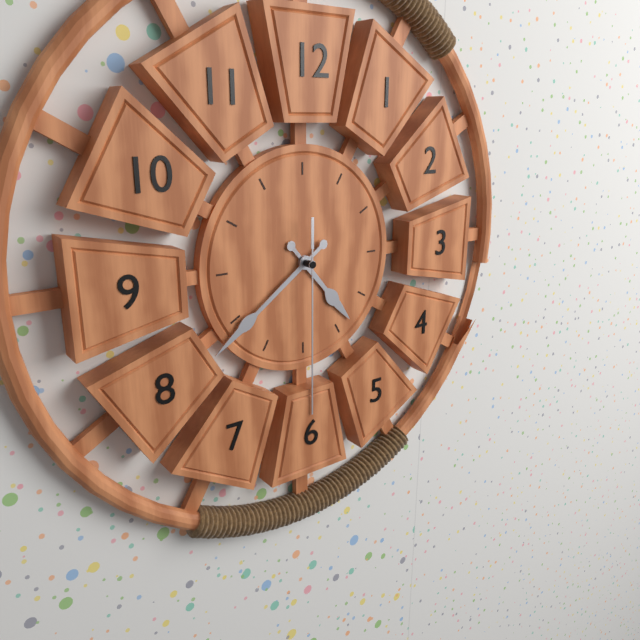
4:39:30
